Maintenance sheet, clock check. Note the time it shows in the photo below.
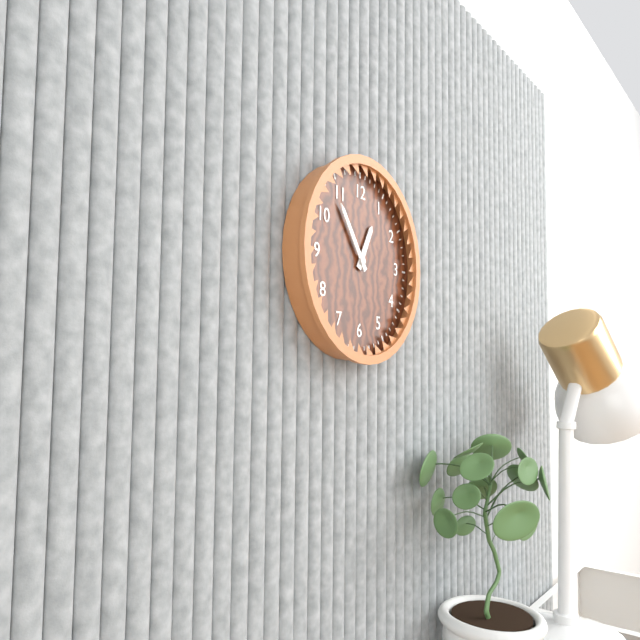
12:54
